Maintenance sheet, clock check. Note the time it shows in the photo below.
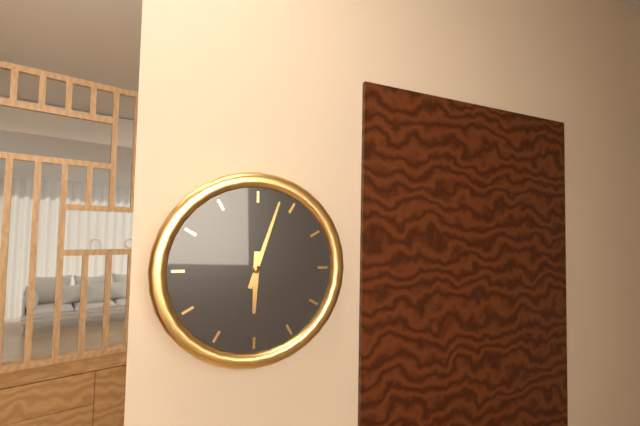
6:03
